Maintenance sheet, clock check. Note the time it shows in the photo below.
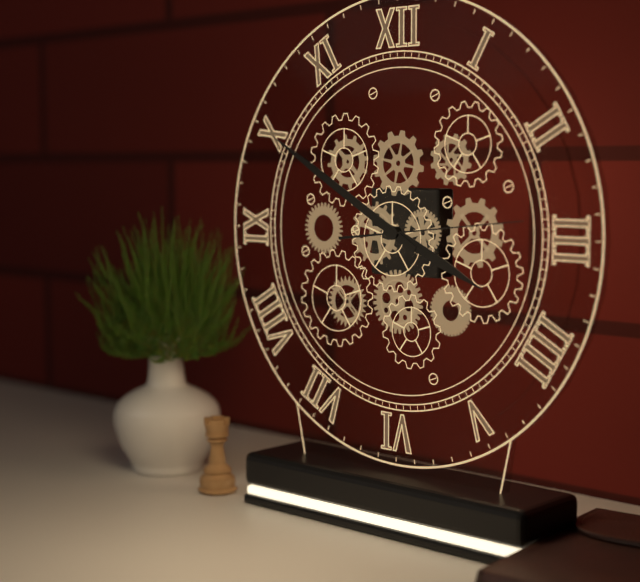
3:50:14
